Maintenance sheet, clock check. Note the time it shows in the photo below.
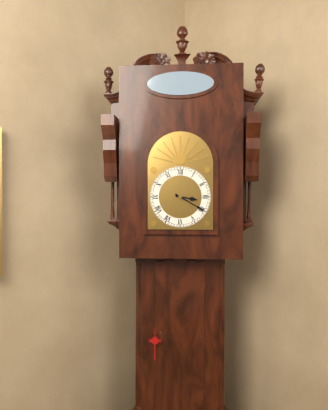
3:20
